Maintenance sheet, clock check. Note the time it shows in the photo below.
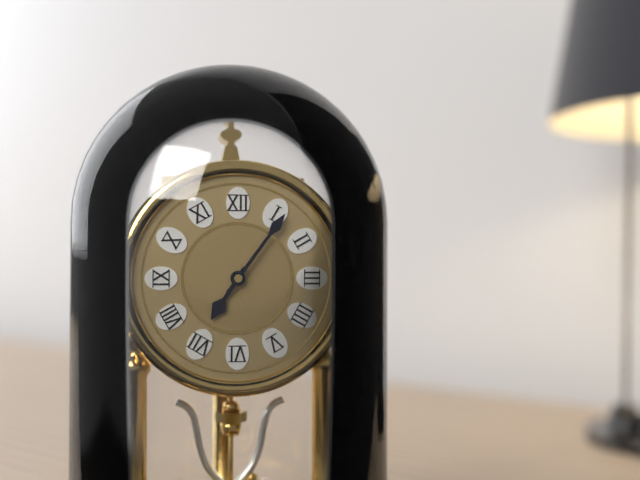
7:06
